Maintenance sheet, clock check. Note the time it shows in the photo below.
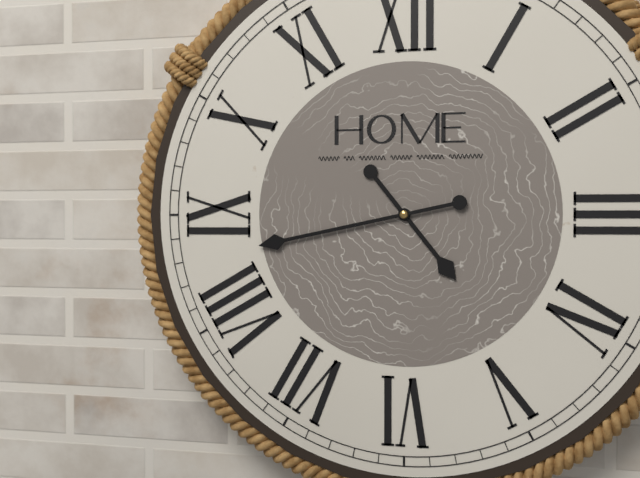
4:43
